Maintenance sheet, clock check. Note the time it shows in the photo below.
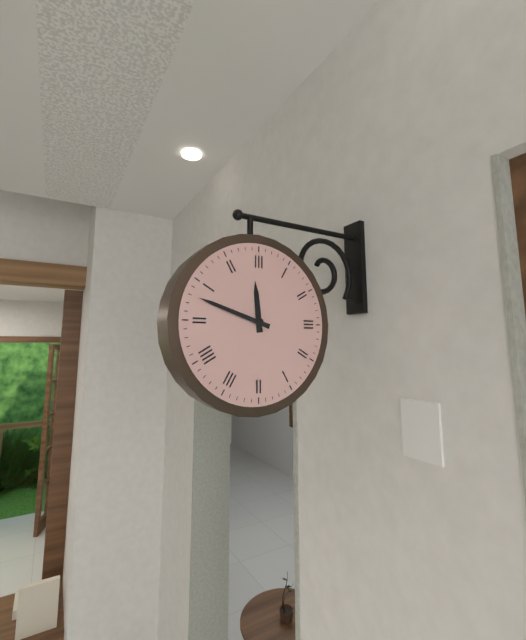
11:48
